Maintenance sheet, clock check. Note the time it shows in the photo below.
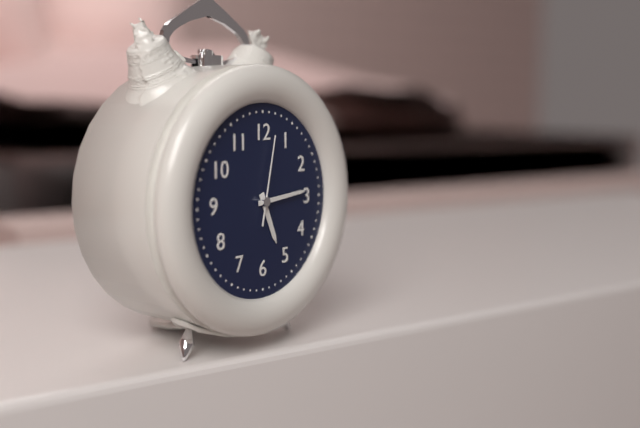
5:14:02
